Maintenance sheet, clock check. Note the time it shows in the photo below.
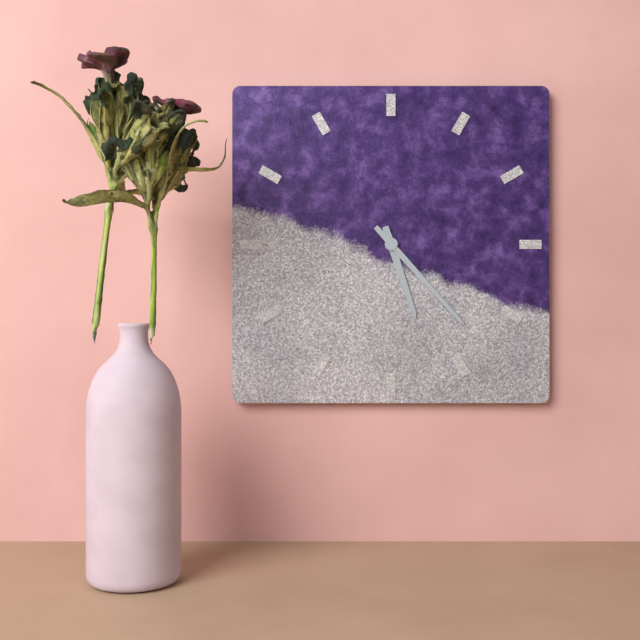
5:23
